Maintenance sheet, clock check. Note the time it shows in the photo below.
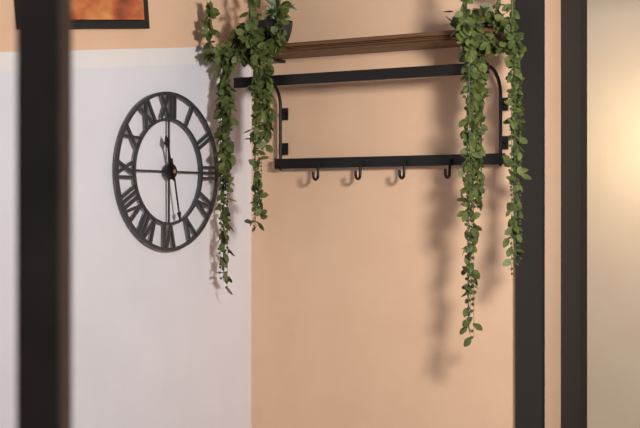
11:28
